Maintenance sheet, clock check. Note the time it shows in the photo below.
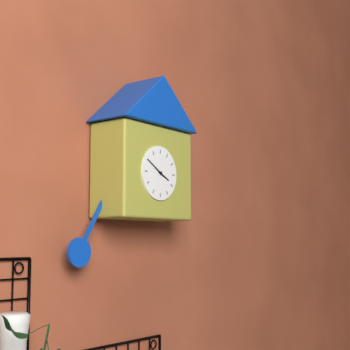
3:50
